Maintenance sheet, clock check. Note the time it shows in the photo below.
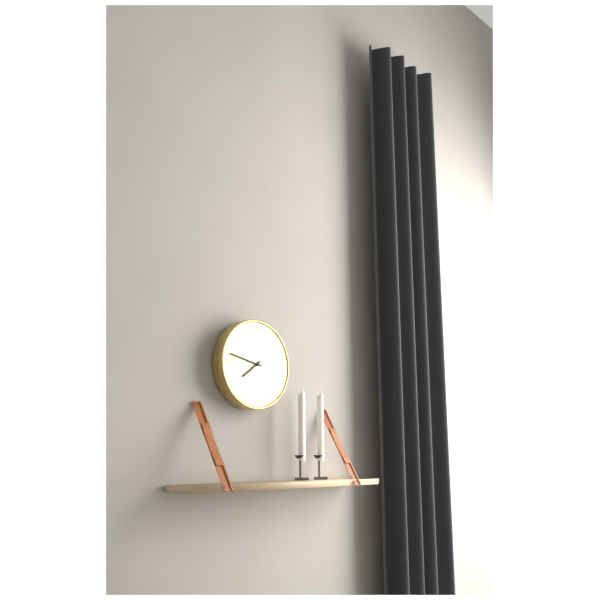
7:47
